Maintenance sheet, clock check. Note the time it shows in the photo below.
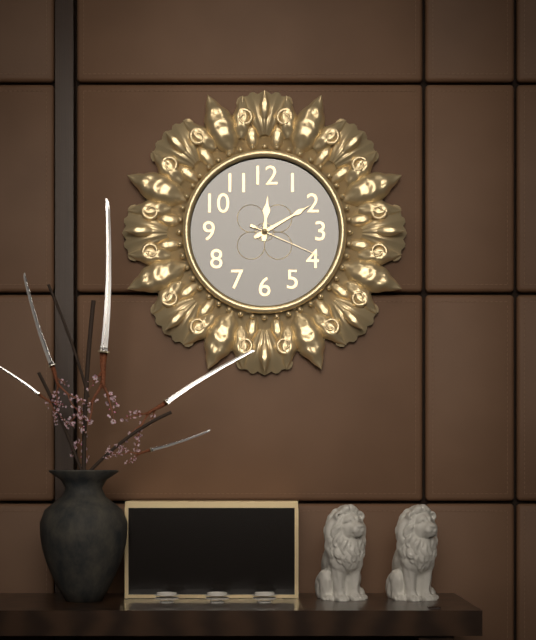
12:10:19
